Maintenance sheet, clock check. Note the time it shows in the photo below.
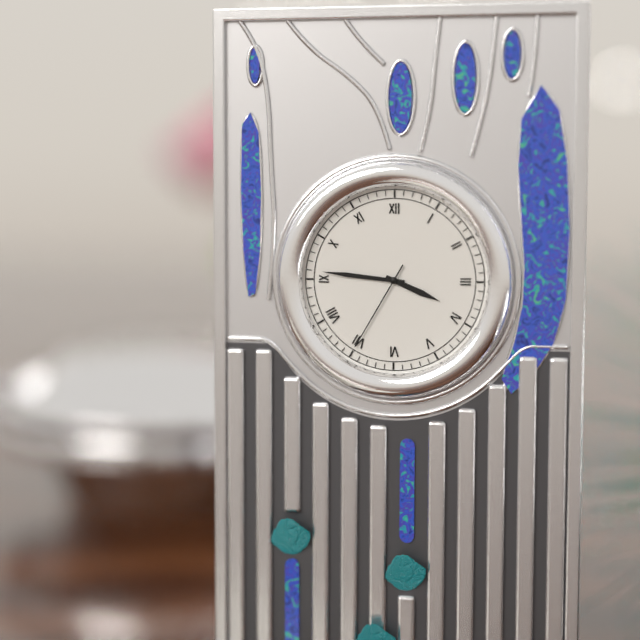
3:46:35
